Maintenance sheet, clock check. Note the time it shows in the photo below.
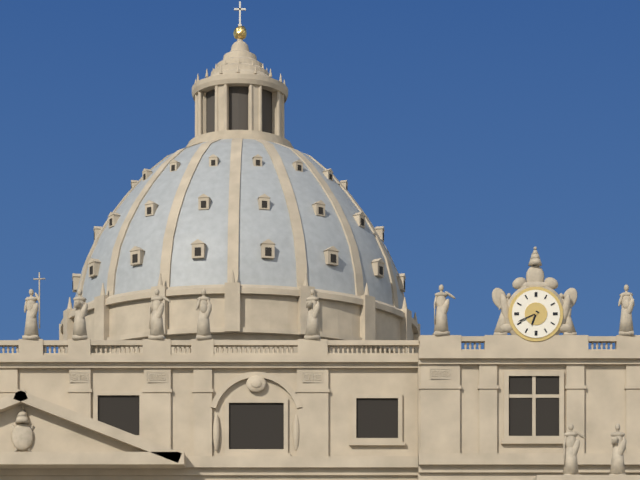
6:41
